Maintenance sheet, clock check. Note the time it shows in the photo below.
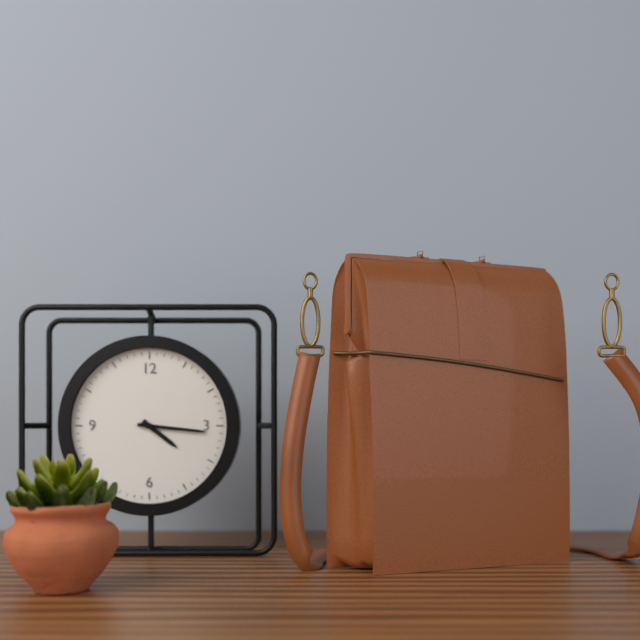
4:16
